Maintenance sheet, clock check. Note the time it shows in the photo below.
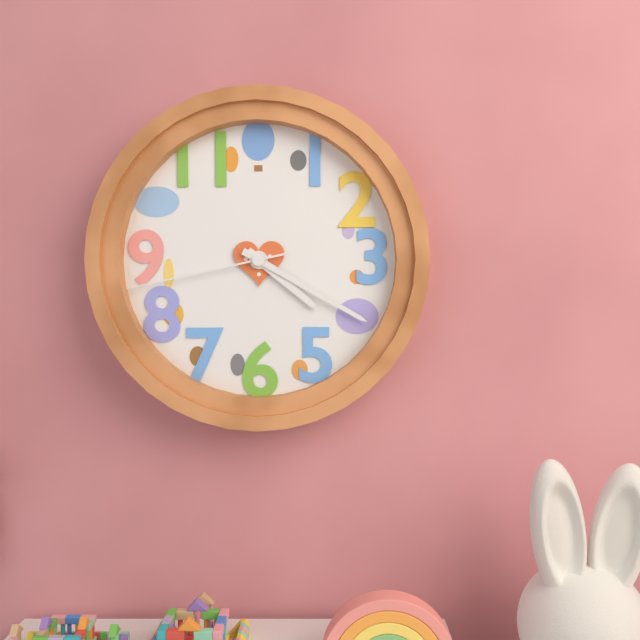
4:20:43
